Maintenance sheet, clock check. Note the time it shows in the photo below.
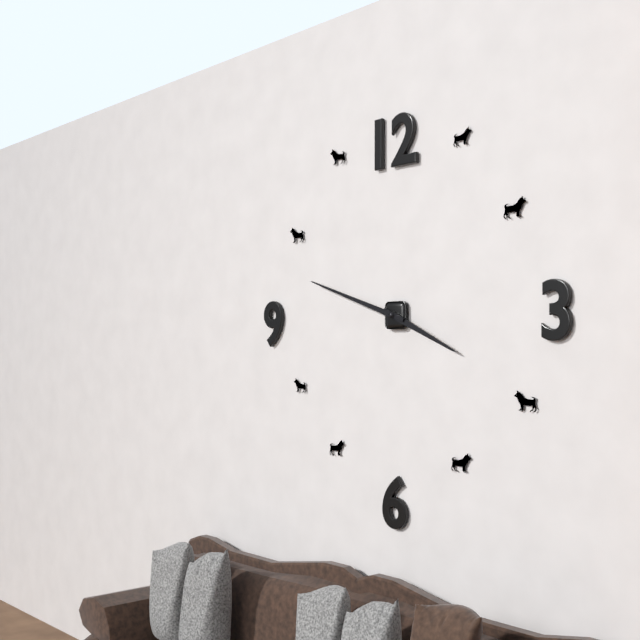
3:48
